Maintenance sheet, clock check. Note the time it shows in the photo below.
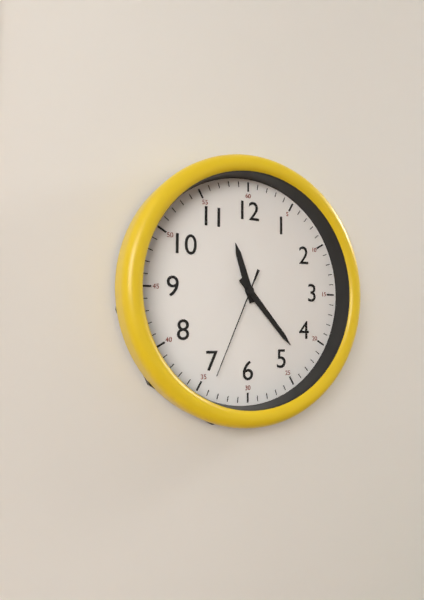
11:23:34
